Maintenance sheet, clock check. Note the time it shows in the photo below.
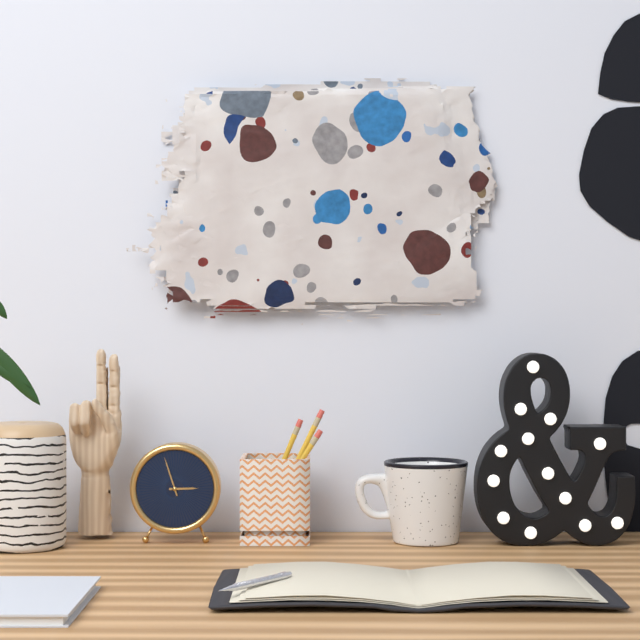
2:57
